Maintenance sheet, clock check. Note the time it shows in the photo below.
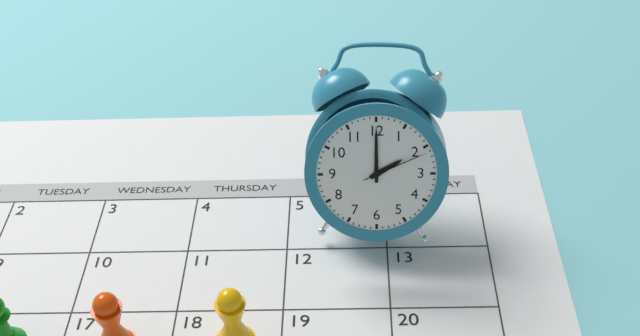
2:00:11
